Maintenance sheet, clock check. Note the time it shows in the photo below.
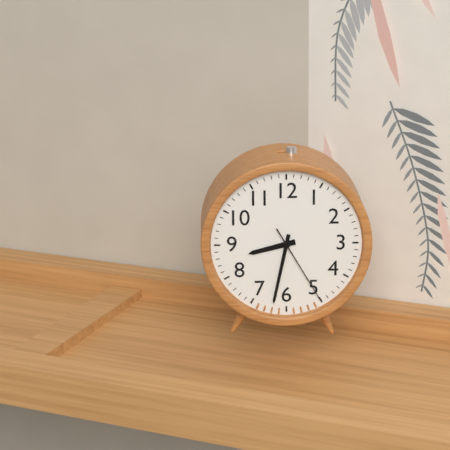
8:32:25
